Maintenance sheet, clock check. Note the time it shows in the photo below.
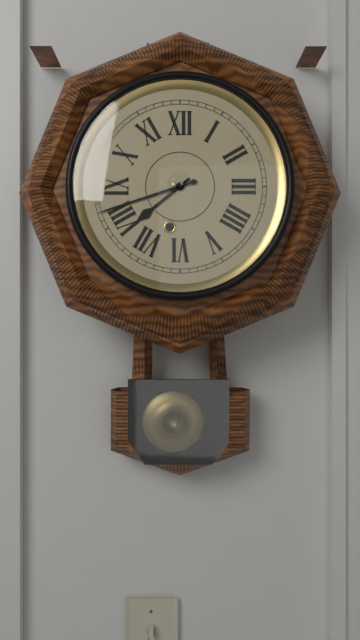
7:42
